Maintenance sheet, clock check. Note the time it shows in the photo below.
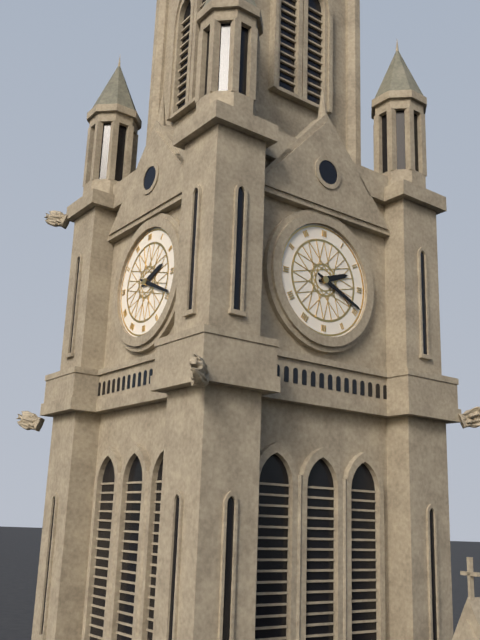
2:19
